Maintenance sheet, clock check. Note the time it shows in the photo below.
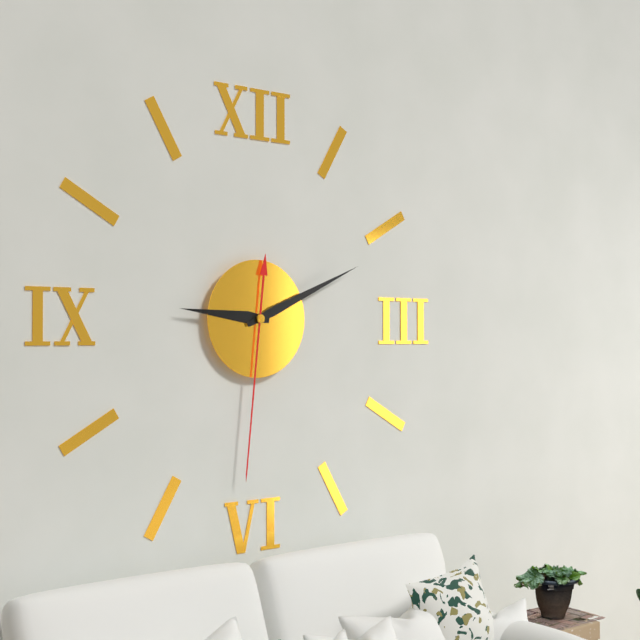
9:11:31
